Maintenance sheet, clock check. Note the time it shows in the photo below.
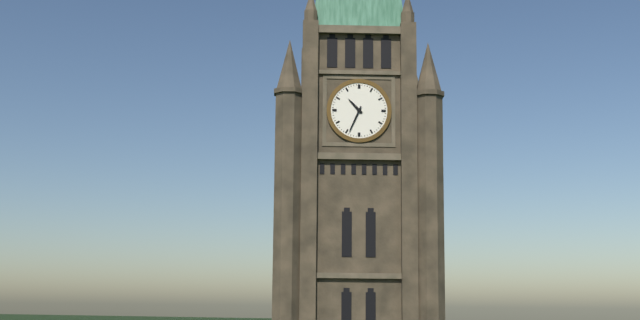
10:34
